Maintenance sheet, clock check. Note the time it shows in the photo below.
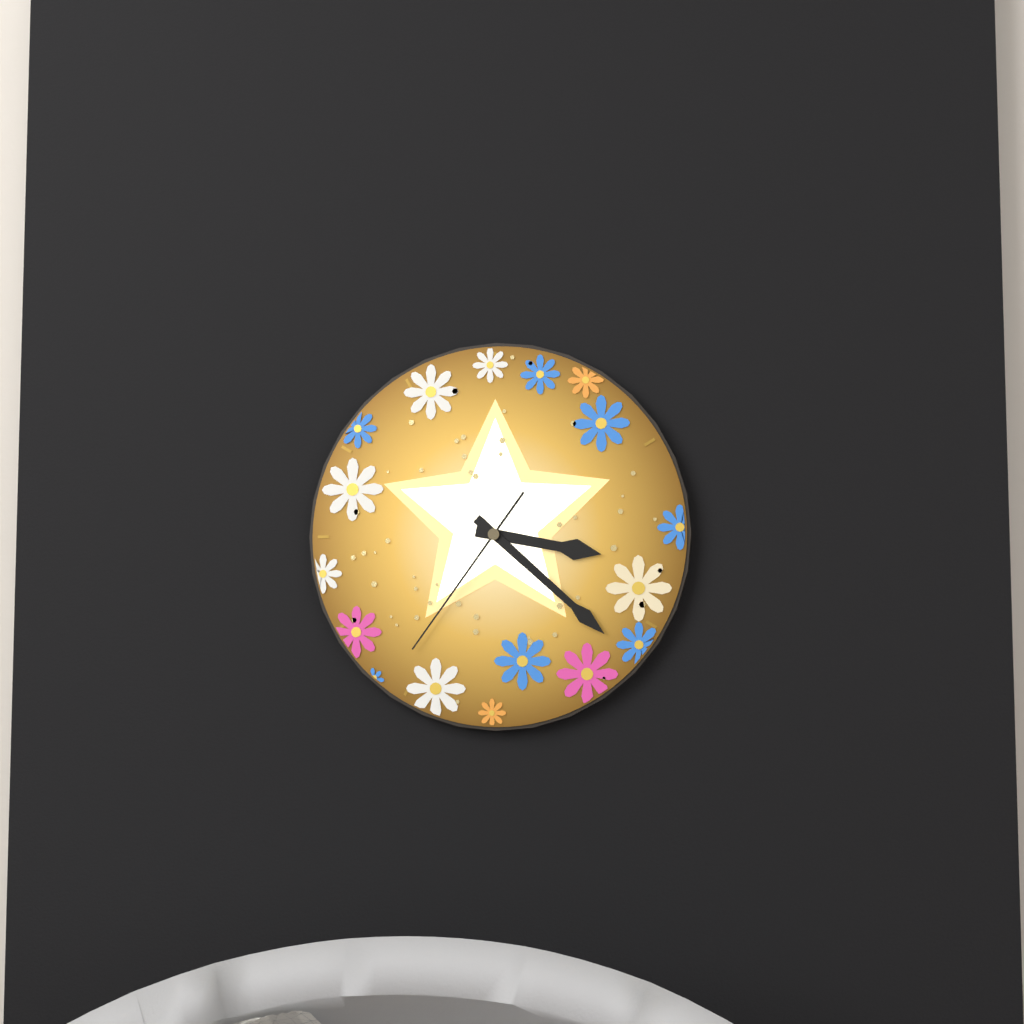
3:22:36
